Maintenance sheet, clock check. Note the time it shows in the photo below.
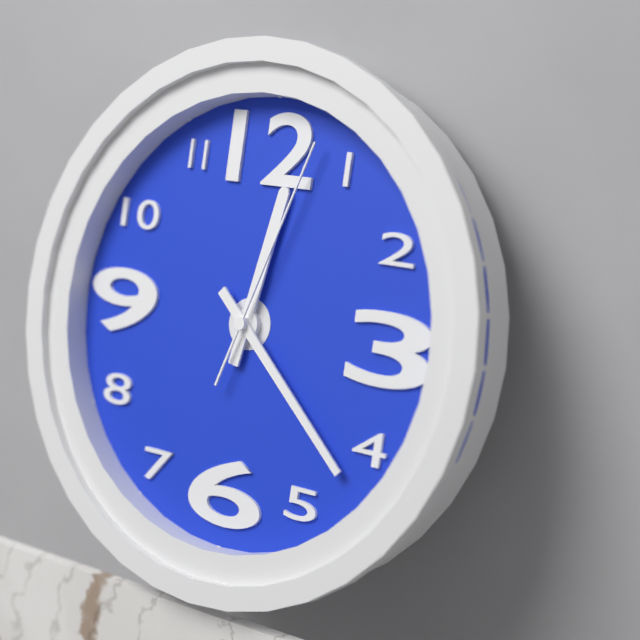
12:22:03
